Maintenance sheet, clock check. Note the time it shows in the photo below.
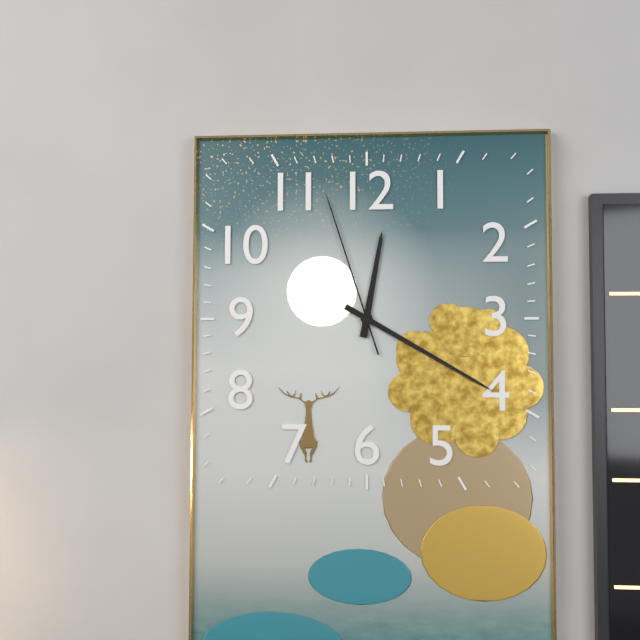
12:20:57
